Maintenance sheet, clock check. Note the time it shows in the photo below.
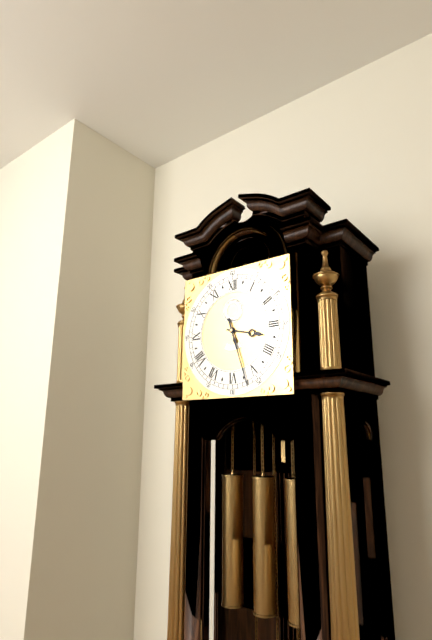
3:27
